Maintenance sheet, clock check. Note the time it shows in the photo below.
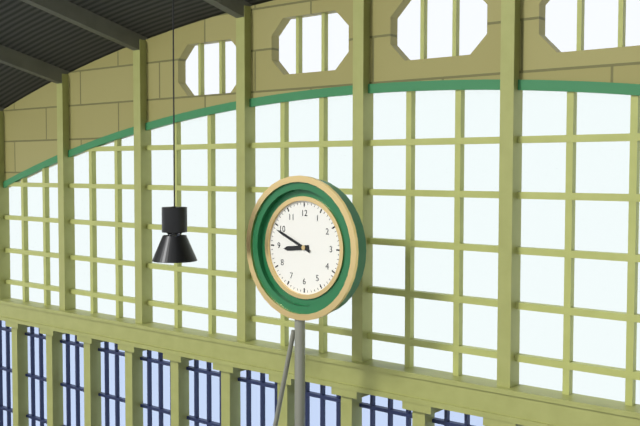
8:49
